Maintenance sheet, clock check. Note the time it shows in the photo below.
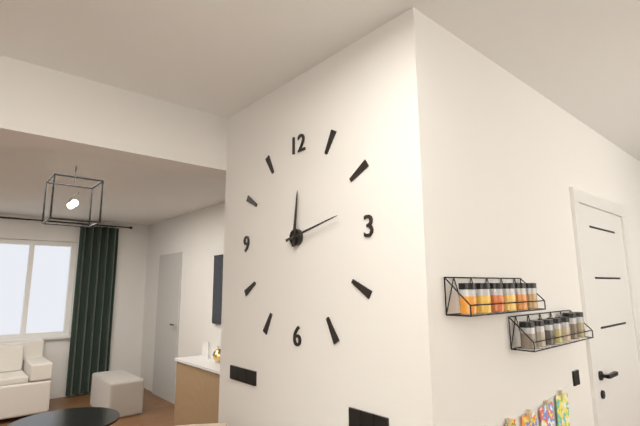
12:13
